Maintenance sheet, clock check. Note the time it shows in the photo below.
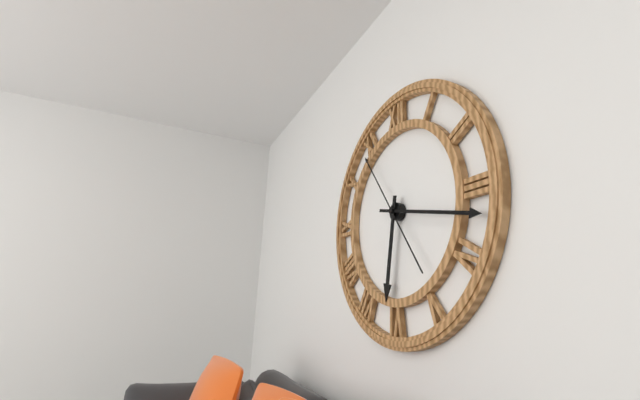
6:17:54
